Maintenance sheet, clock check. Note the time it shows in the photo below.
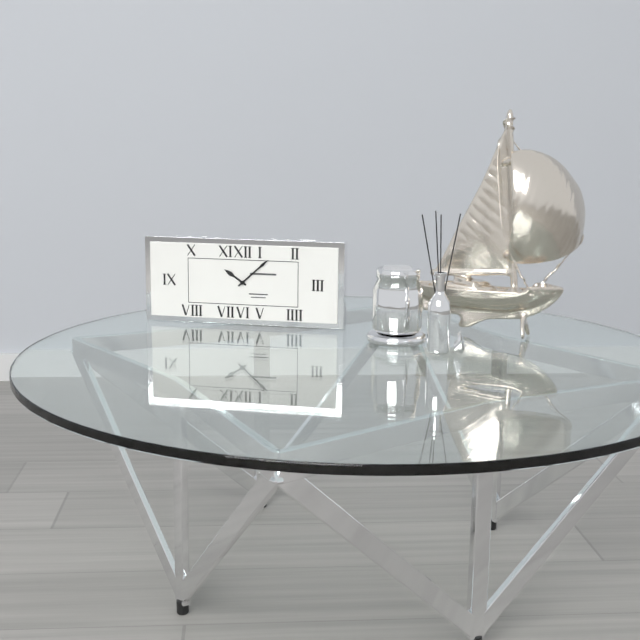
10:08
